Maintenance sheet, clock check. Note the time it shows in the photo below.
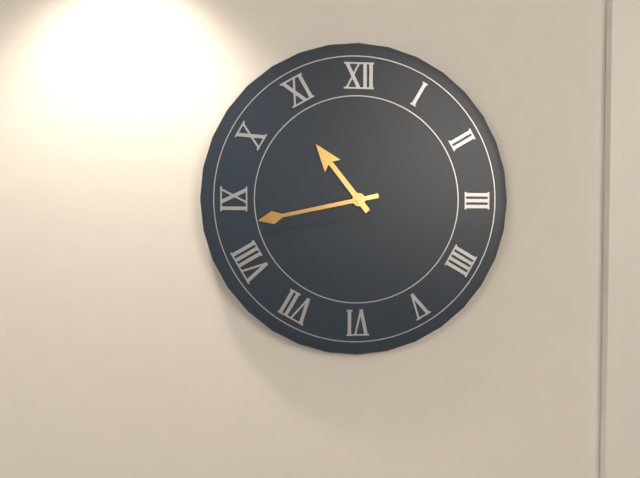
10:43
